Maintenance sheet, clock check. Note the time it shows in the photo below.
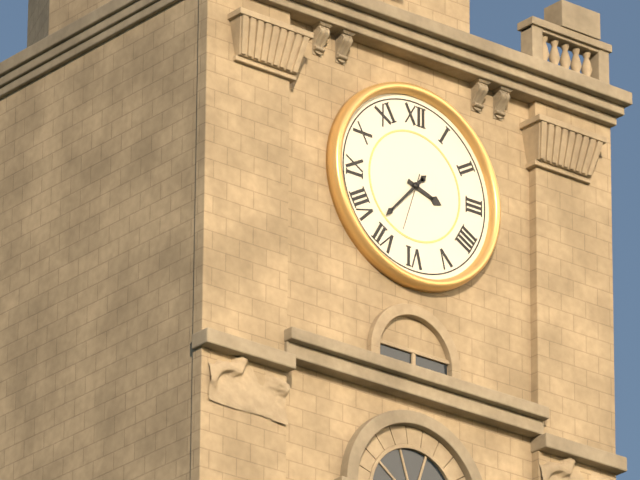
3:37:33
